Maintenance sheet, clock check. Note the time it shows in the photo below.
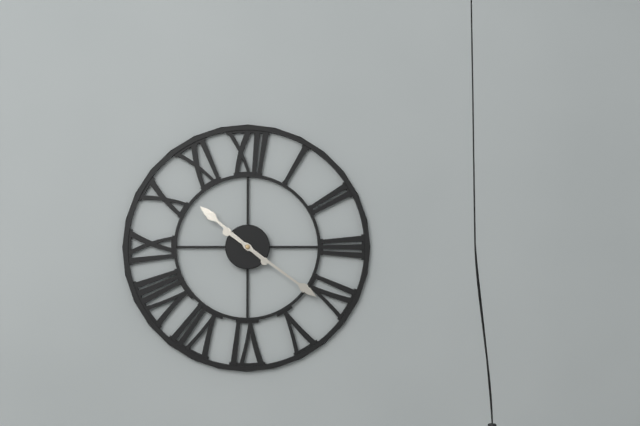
10:21
